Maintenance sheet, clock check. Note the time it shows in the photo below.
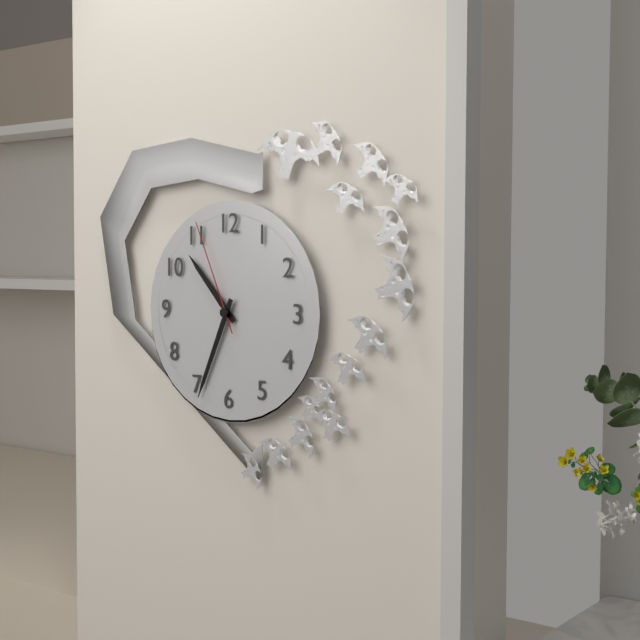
10:34:56
